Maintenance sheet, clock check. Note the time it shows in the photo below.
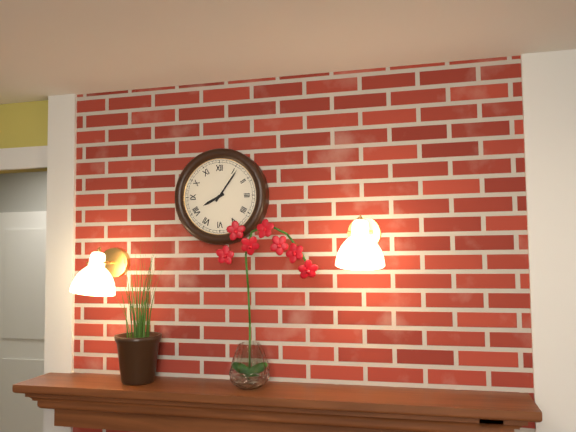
8:06
